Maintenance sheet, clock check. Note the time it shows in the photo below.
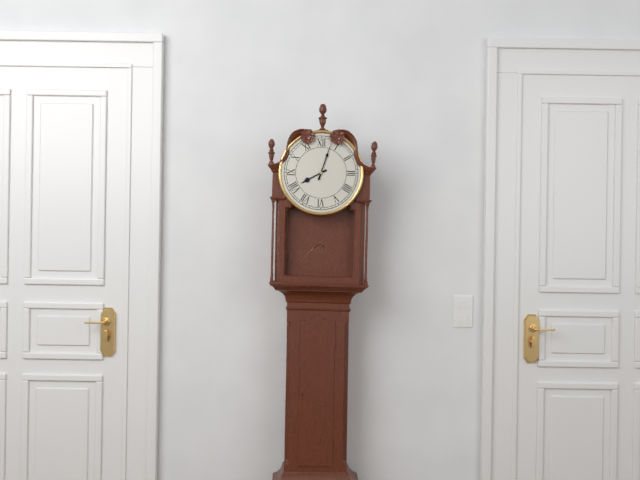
8:03
